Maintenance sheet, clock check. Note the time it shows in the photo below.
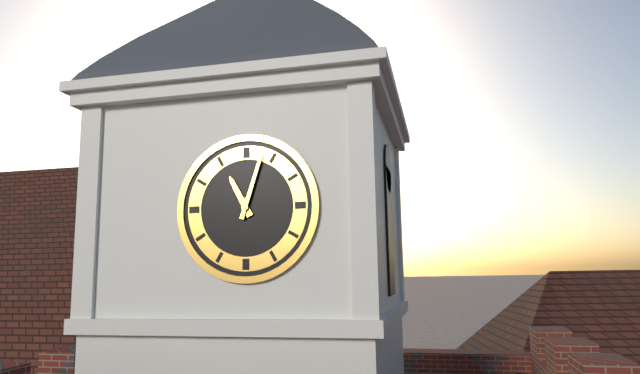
11:03
